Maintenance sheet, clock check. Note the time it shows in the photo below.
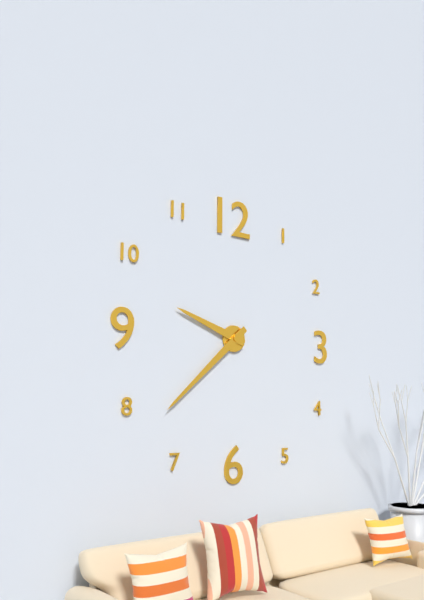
9:38
